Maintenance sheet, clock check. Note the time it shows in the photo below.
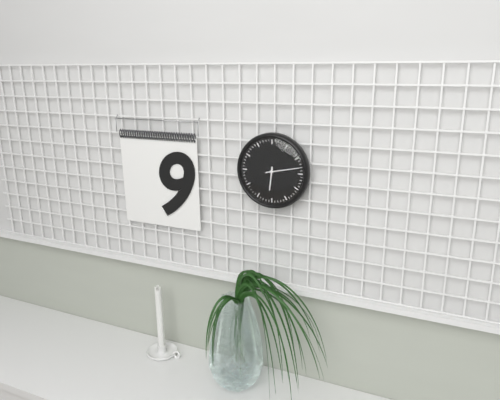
6:13
